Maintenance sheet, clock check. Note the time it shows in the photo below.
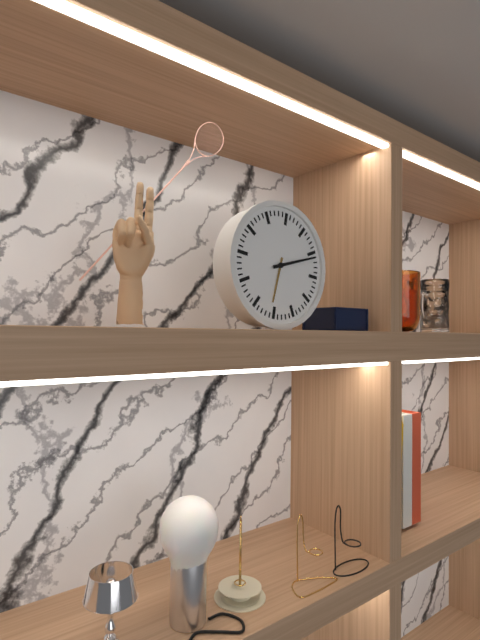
6:11
